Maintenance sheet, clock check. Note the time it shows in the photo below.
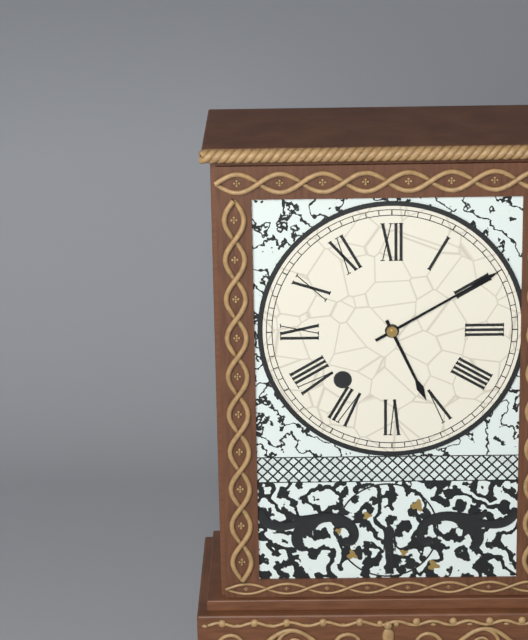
5:10
